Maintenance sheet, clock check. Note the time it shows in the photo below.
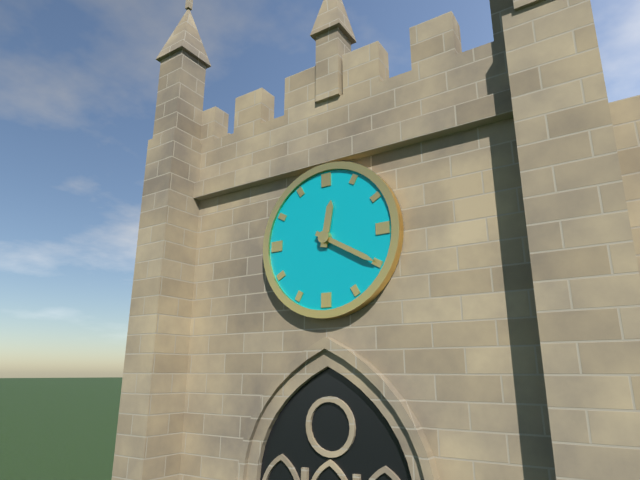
12:20
